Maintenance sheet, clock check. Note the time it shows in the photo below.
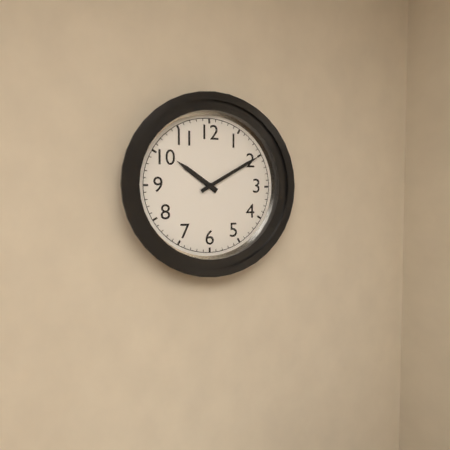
10:10
